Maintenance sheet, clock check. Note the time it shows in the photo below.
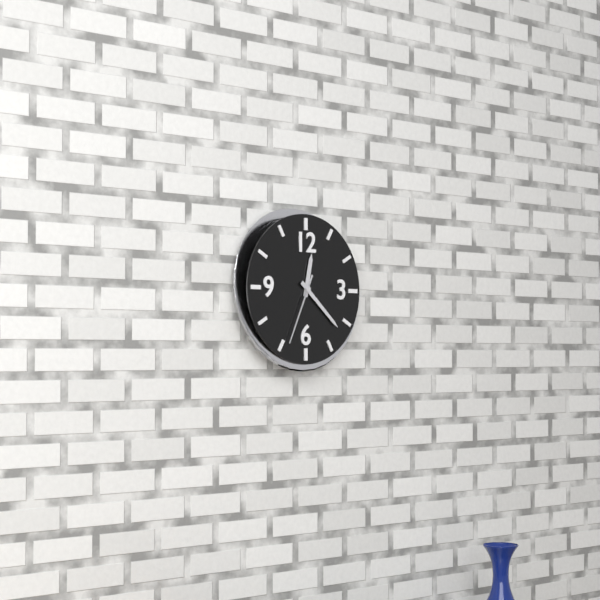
12:22:34
